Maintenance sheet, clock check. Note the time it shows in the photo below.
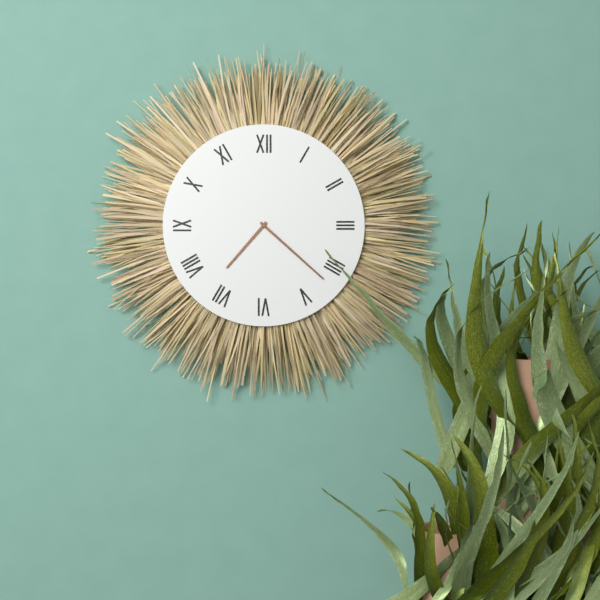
7:22
